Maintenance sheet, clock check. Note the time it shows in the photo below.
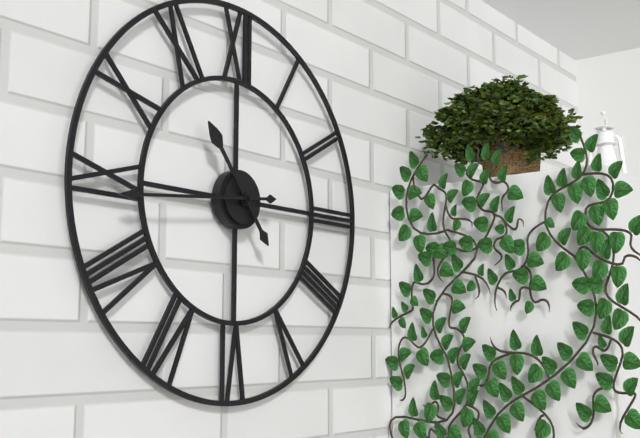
10:44
